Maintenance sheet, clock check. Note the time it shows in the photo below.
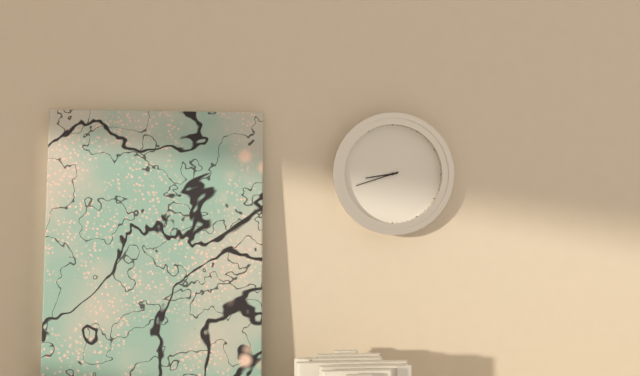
8:42
